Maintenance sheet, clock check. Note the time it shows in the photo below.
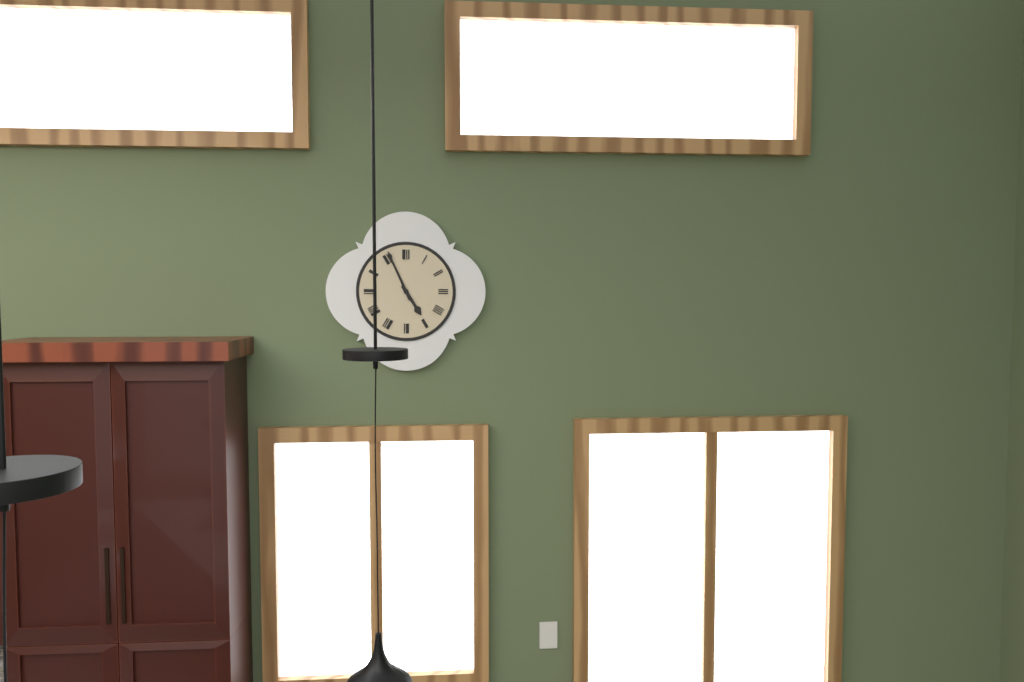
4:56
